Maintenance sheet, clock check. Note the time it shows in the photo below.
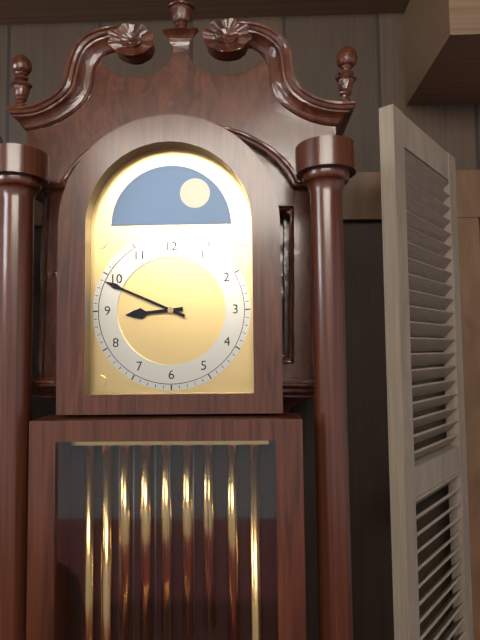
8:49
